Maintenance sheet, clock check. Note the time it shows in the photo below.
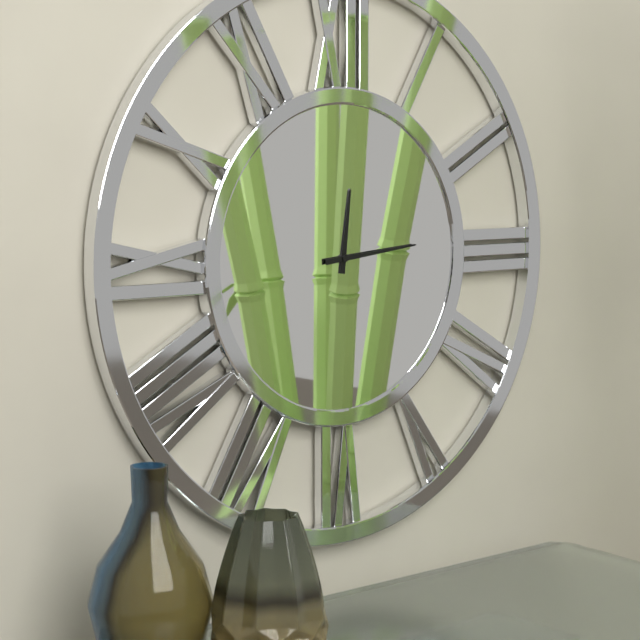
12:14
